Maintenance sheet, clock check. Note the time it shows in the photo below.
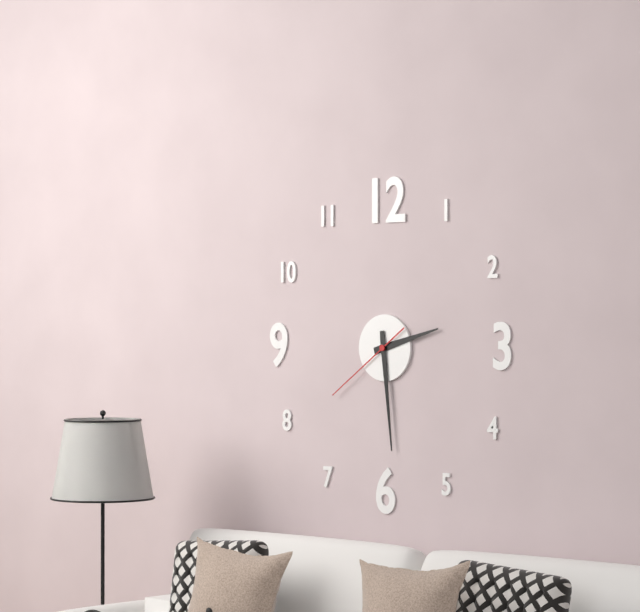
2:29:39
